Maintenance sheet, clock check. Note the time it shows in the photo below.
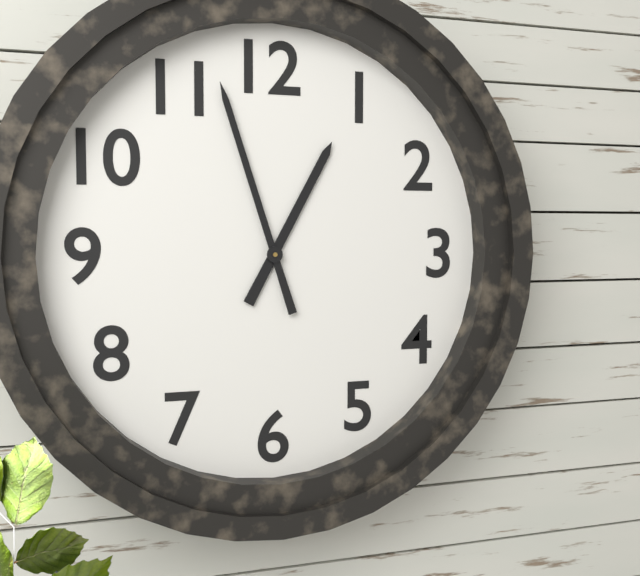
12:57
